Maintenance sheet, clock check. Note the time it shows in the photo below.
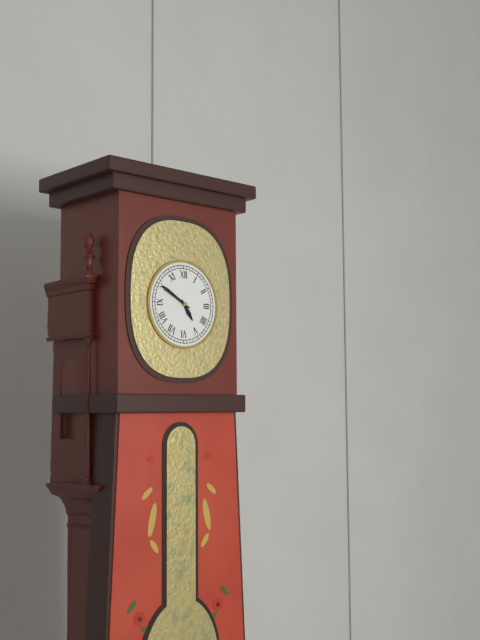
4:50
